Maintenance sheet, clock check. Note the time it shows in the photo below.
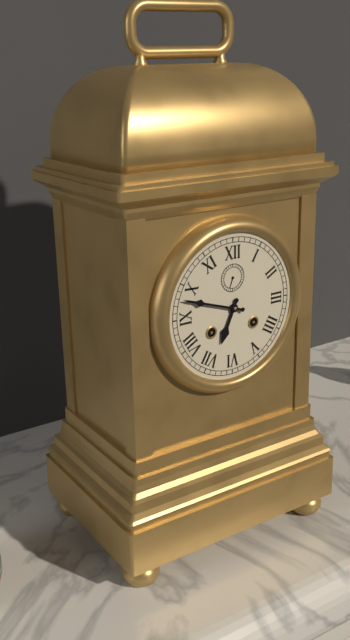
6:48
